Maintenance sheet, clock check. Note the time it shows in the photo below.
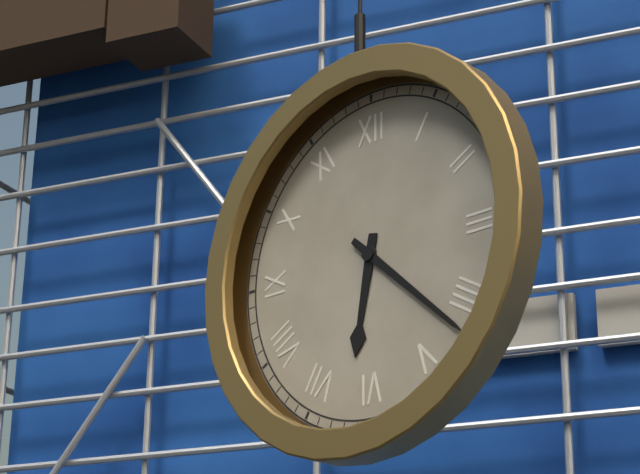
6:22
